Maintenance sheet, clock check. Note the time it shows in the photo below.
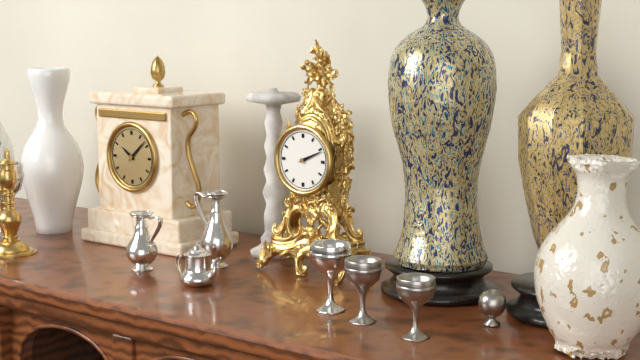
2:11
